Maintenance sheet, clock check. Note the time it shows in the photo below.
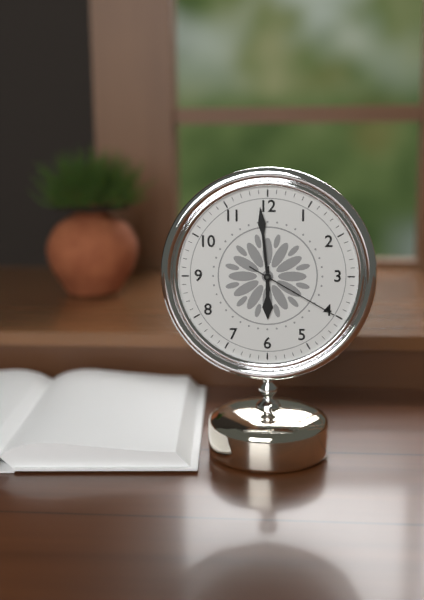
5:59:20
